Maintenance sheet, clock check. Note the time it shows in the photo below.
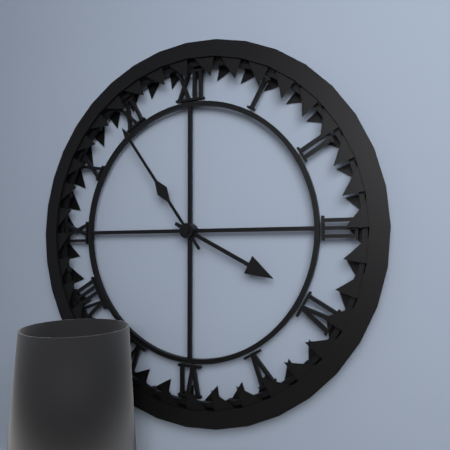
3:54
